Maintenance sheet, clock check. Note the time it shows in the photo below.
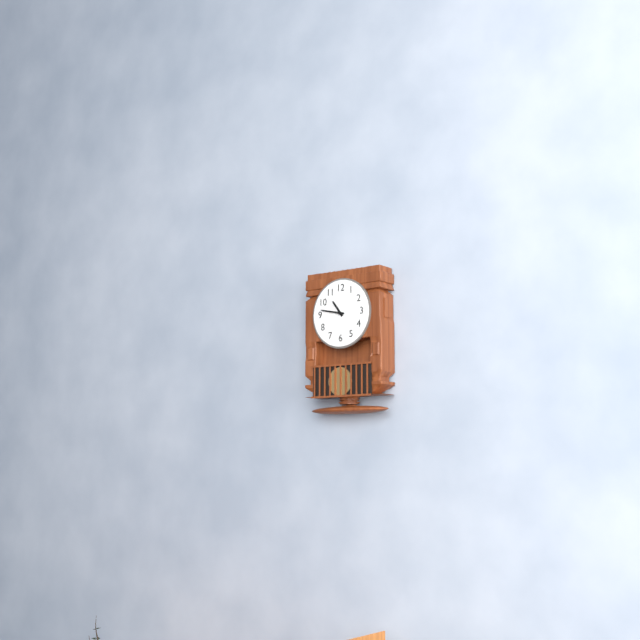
10:47
